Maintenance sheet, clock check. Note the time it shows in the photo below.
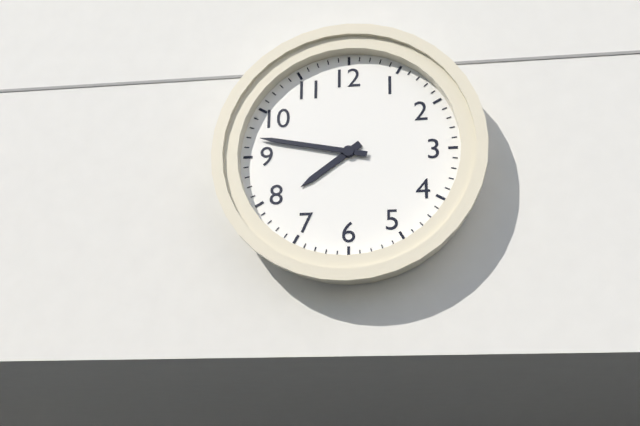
7:47
